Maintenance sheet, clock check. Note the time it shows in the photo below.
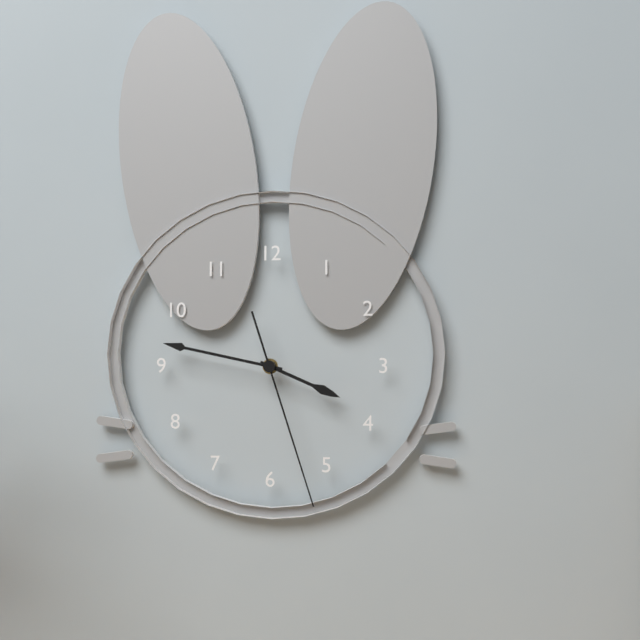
3:47:27
